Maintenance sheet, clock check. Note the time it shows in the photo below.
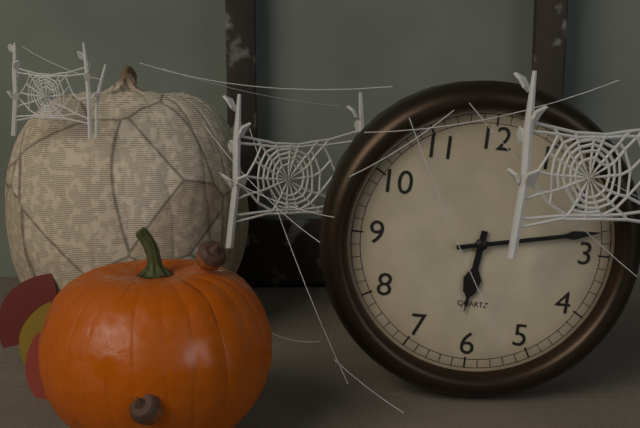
6:13
